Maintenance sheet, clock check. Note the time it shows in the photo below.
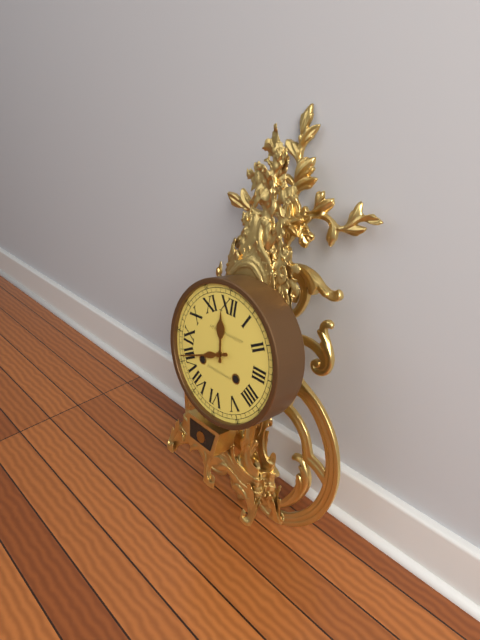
11:41
